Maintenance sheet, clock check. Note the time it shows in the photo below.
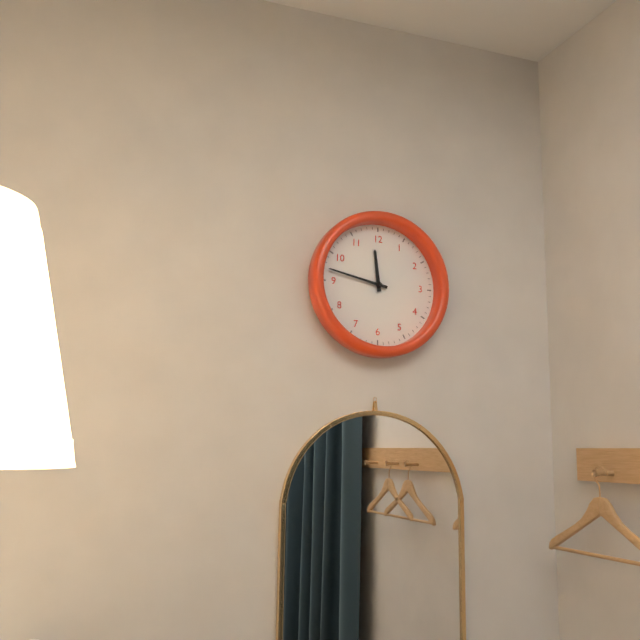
11:47
